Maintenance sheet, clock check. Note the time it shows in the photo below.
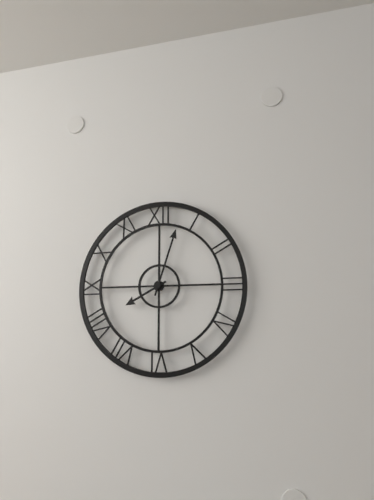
8:03
